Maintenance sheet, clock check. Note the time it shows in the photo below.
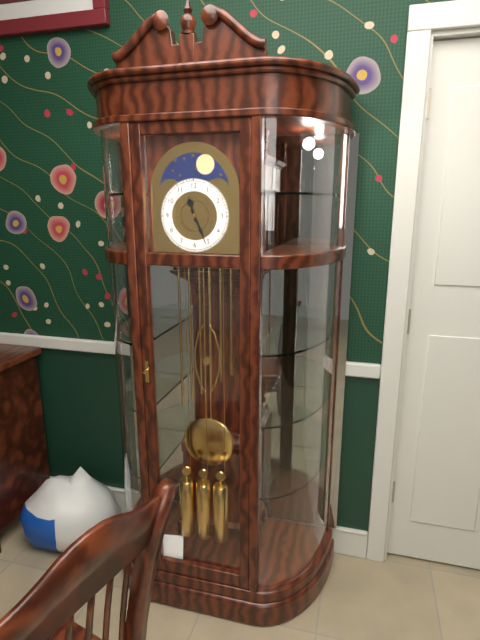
11:26
